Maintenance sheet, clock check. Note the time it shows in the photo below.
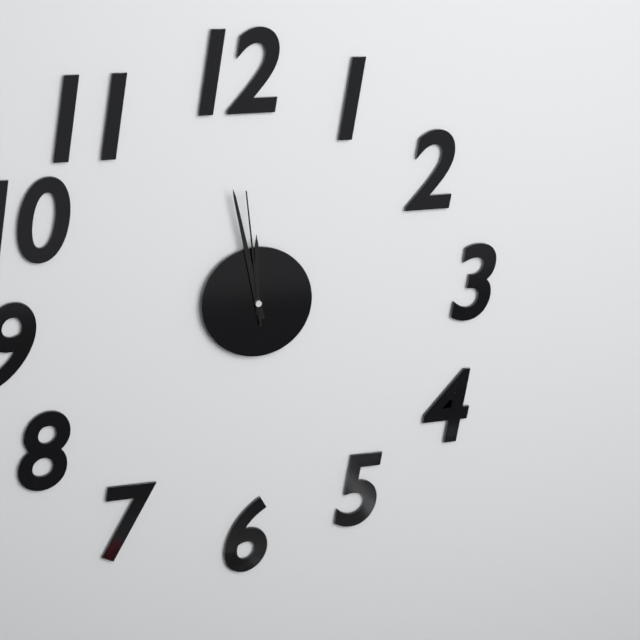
11:58:59
